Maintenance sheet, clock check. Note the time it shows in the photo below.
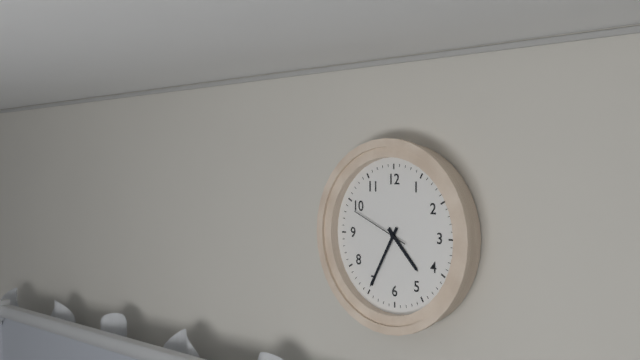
4:35:49
